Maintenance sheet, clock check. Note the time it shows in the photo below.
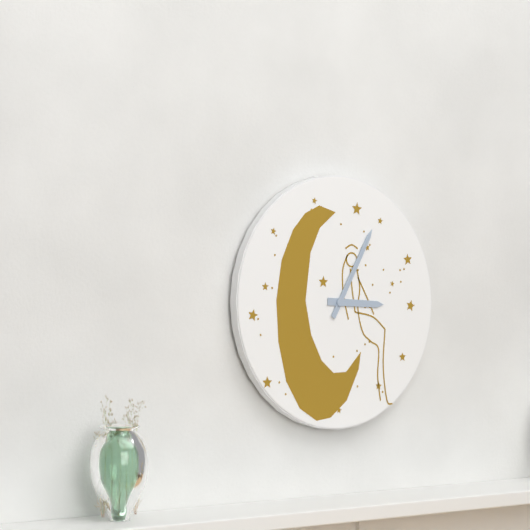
3:05
